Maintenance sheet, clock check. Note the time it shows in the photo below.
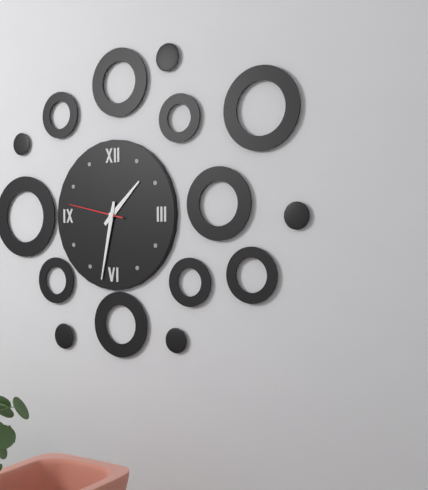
1:32:47
